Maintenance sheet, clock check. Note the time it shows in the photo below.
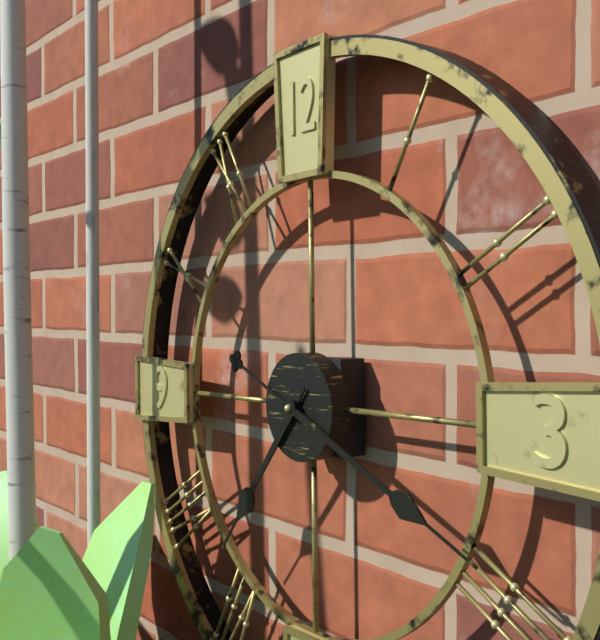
7:19
